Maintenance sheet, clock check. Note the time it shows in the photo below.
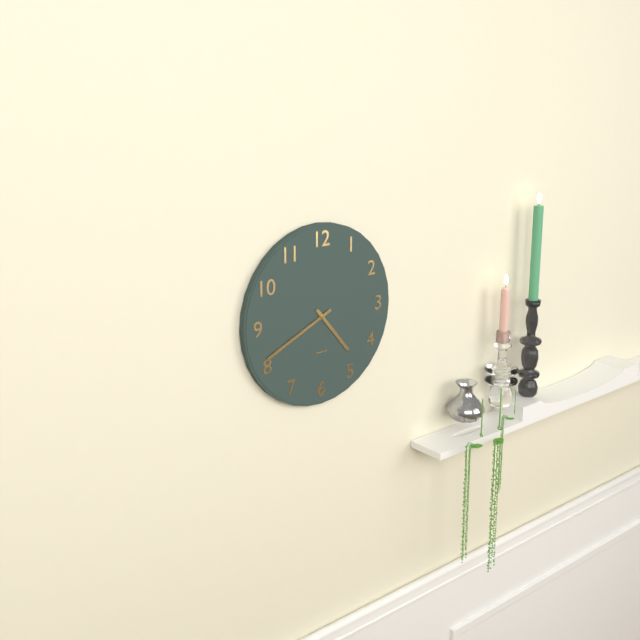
4:41
